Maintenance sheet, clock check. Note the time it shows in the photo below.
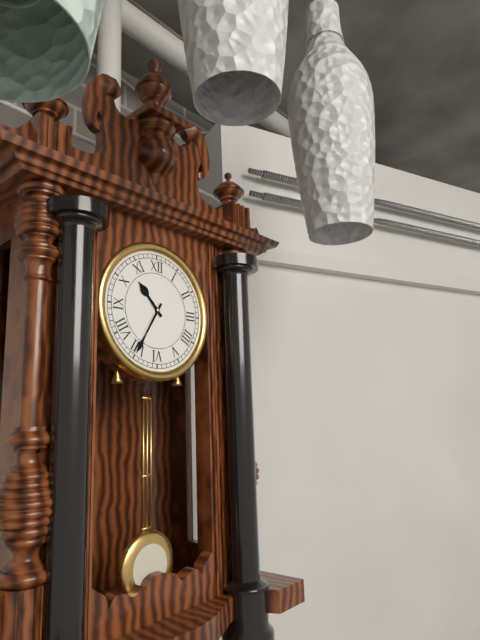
10:35
